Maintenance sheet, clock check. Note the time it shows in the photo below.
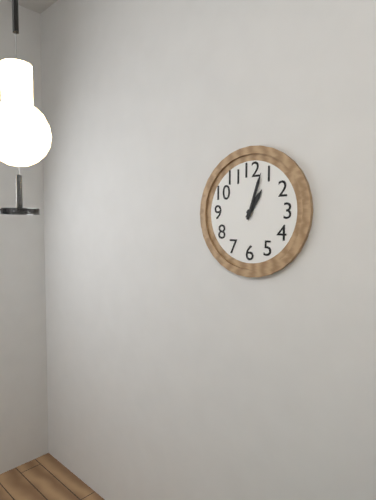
1:03
